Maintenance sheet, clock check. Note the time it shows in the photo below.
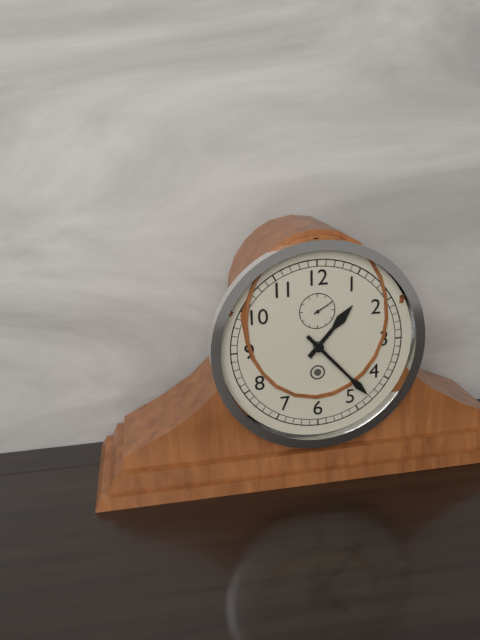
1:23
